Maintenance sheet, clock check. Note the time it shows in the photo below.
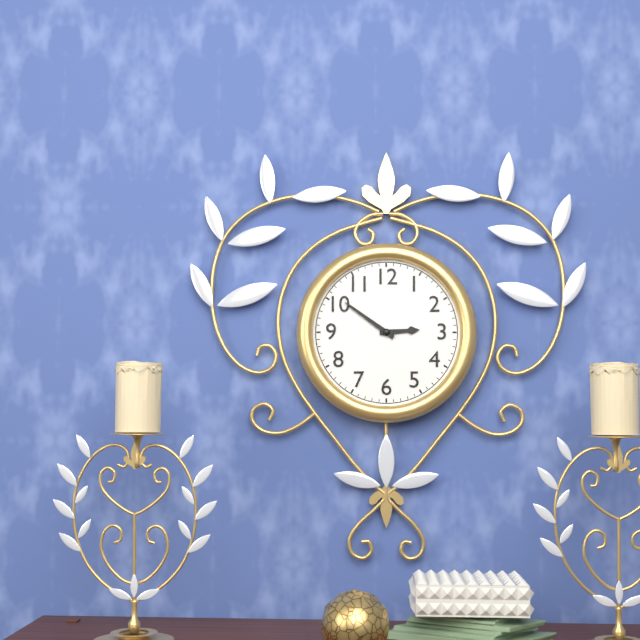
2:51
